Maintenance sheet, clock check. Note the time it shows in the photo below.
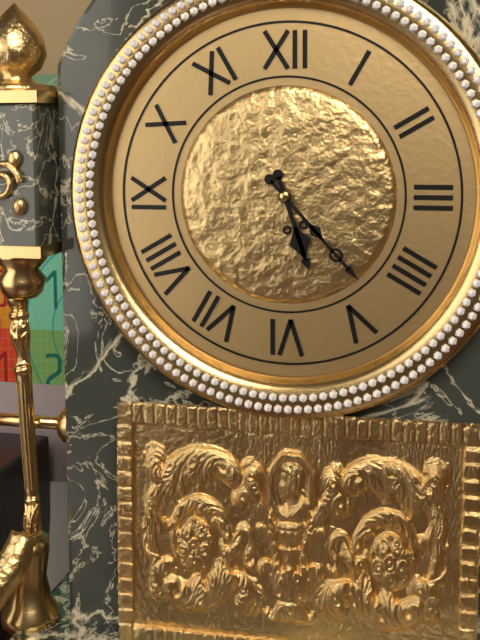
5:23
